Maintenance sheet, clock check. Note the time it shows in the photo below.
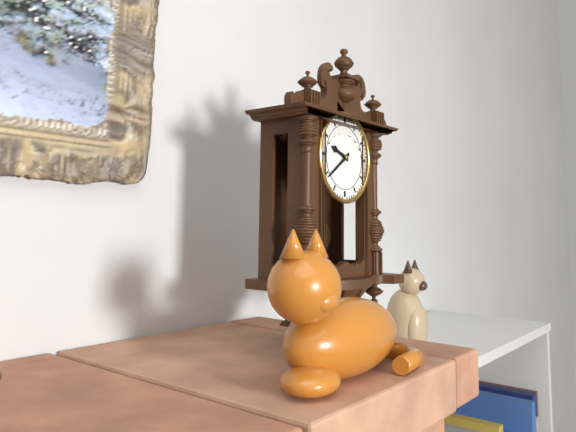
9:39
